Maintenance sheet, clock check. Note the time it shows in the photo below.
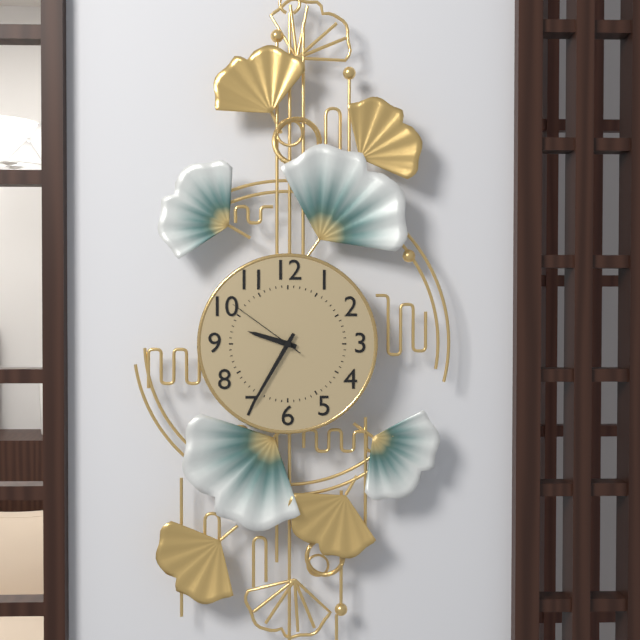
9:35:51
